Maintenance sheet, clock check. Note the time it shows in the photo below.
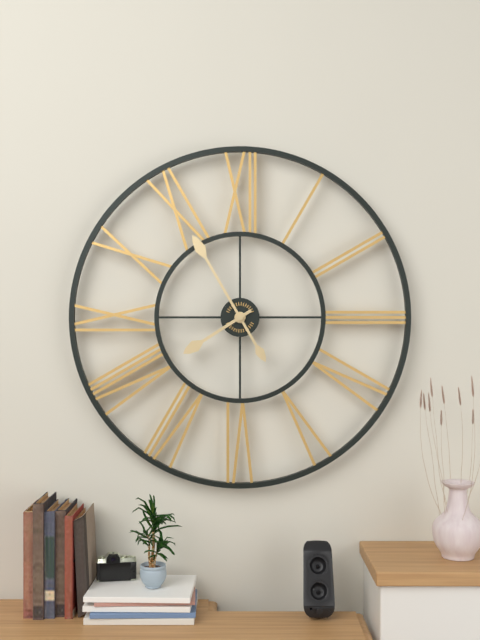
7:55
